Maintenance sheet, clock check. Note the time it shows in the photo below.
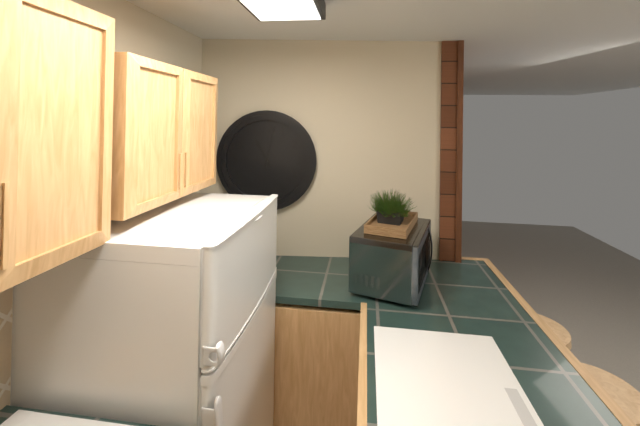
11:02
